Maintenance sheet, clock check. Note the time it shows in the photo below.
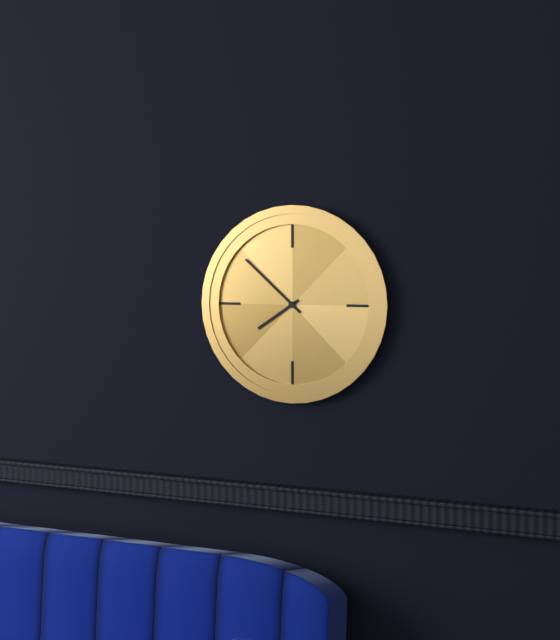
7:52
